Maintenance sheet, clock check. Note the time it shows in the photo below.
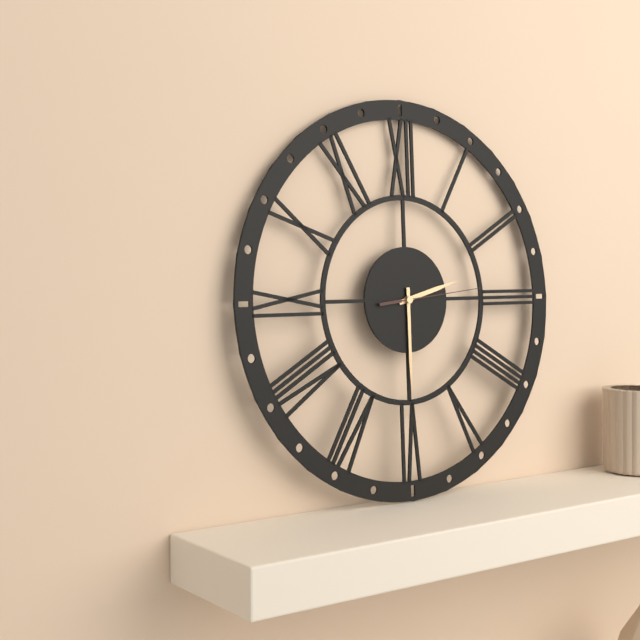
2:30:14
